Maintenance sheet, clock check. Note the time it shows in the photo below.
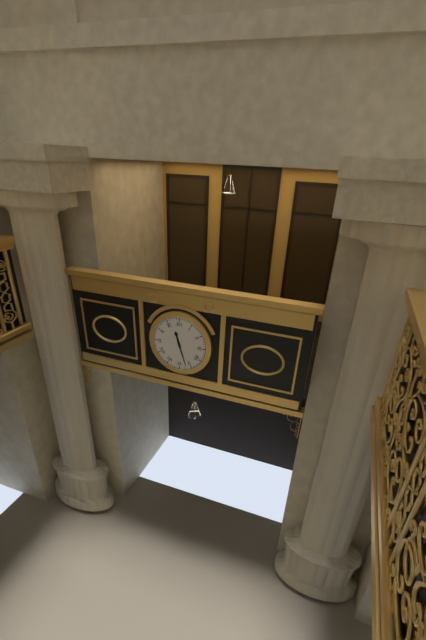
11:27
